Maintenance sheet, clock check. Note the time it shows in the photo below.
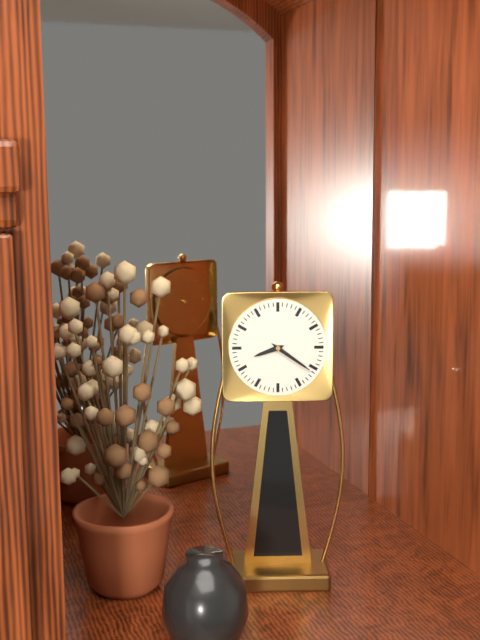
8:21
